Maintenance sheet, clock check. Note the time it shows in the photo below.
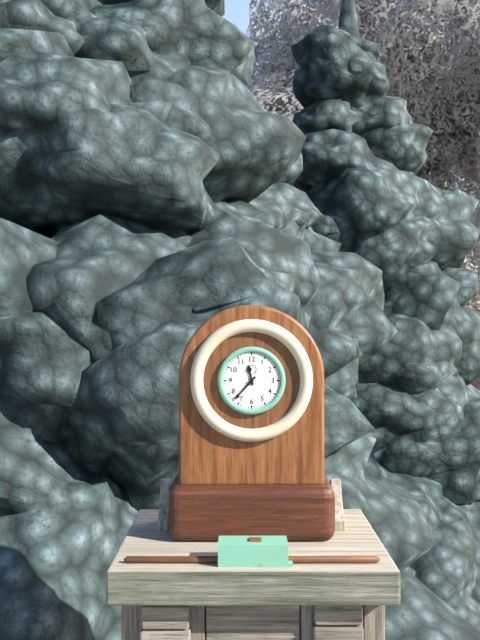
11:37
